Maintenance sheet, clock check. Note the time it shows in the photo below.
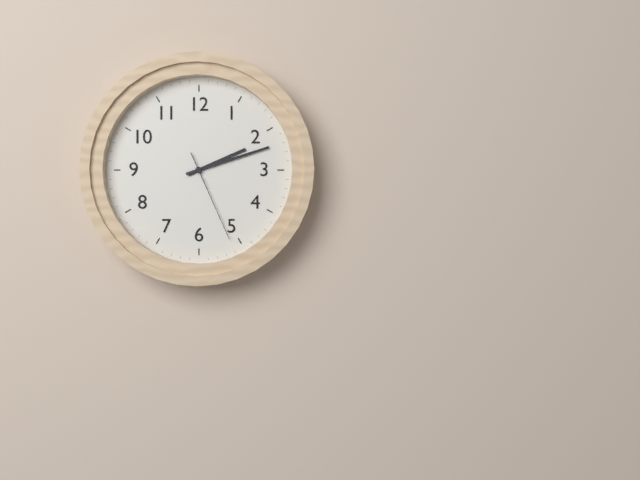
2:12:26
